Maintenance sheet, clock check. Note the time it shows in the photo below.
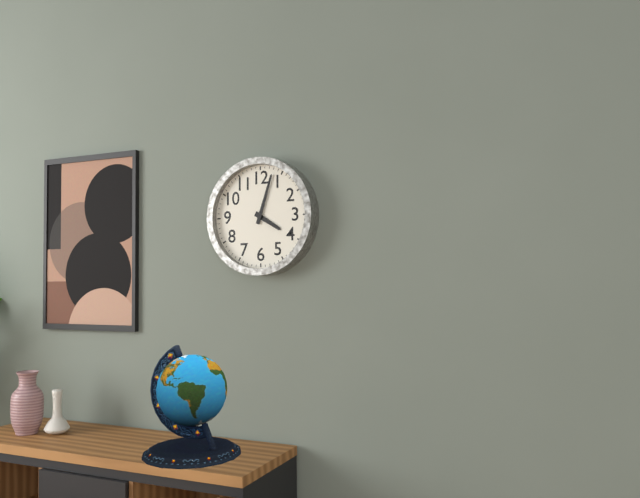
4:03
